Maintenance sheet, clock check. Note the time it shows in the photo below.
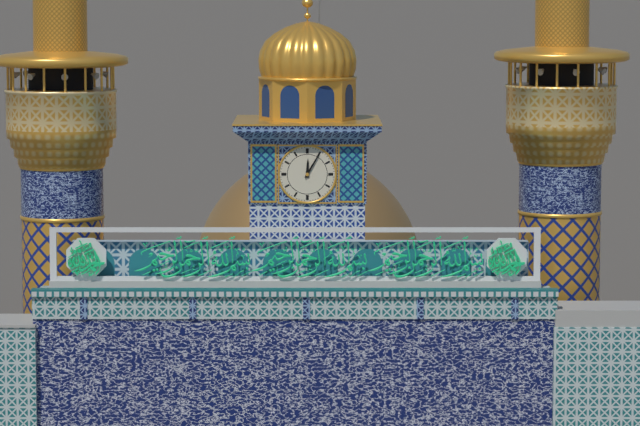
12:05
